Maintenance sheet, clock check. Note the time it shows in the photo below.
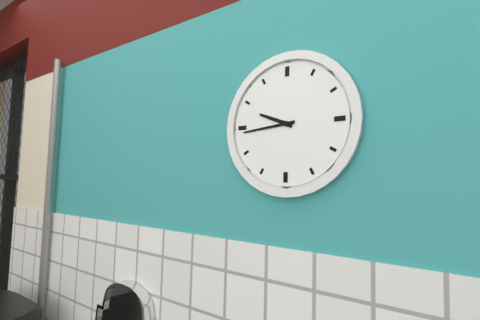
9:44
